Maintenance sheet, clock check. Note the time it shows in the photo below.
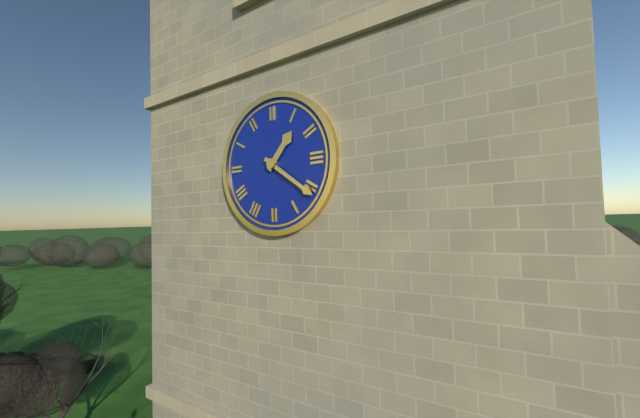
1:21
